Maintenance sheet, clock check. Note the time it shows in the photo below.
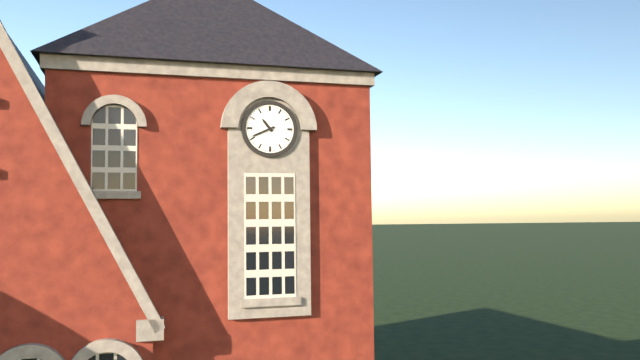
10:41
